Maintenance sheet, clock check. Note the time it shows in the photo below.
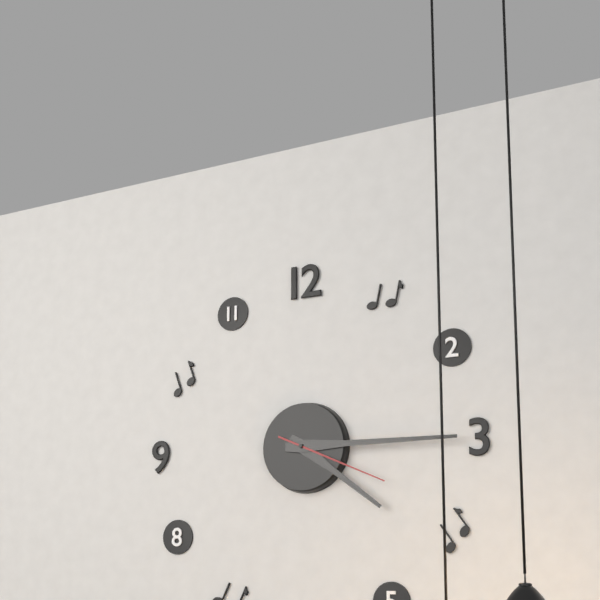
4:15:19
